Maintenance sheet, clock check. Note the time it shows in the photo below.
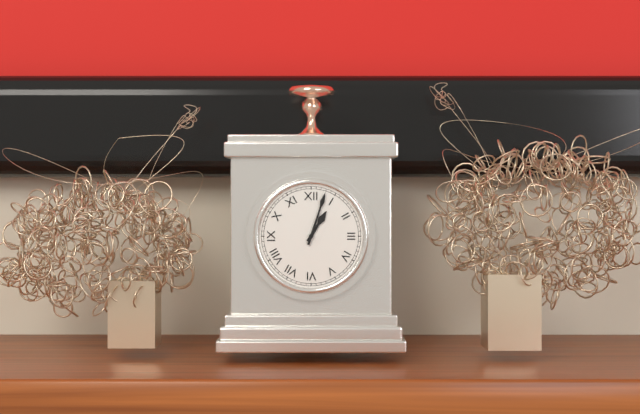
1:03
